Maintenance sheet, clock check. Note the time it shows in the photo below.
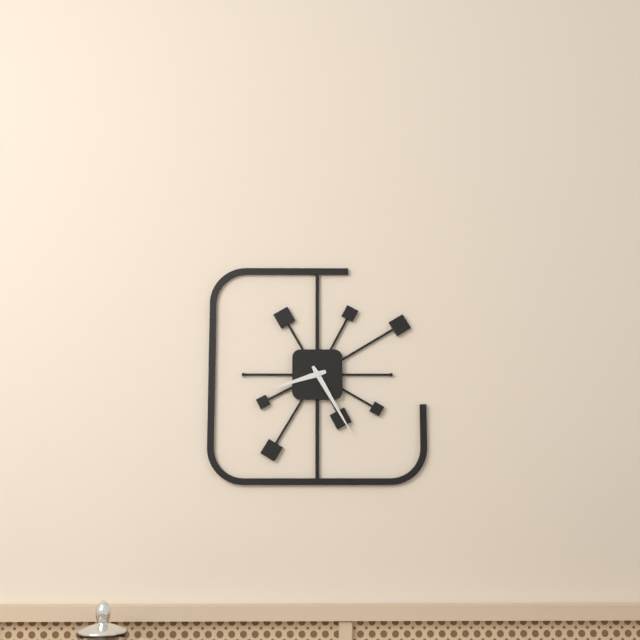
8:25
